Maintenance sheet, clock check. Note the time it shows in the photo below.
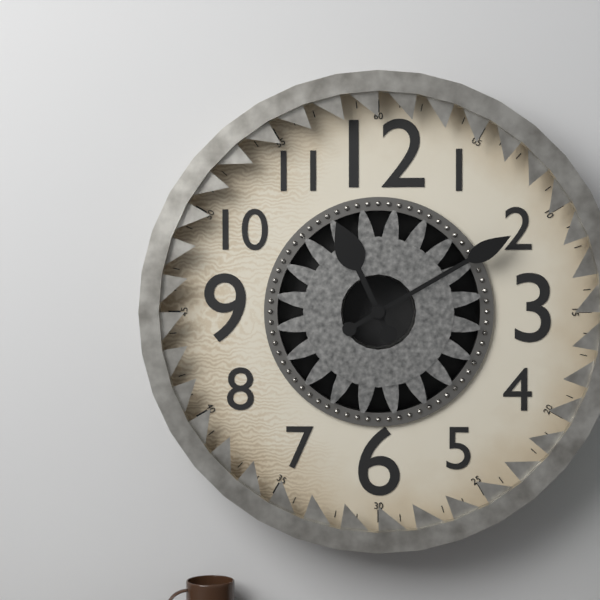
11:10
